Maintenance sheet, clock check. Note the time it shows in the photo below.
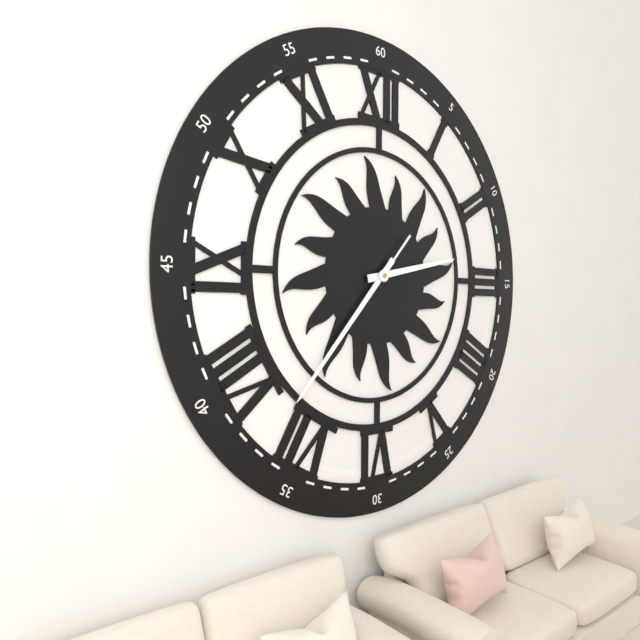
2:37:37
